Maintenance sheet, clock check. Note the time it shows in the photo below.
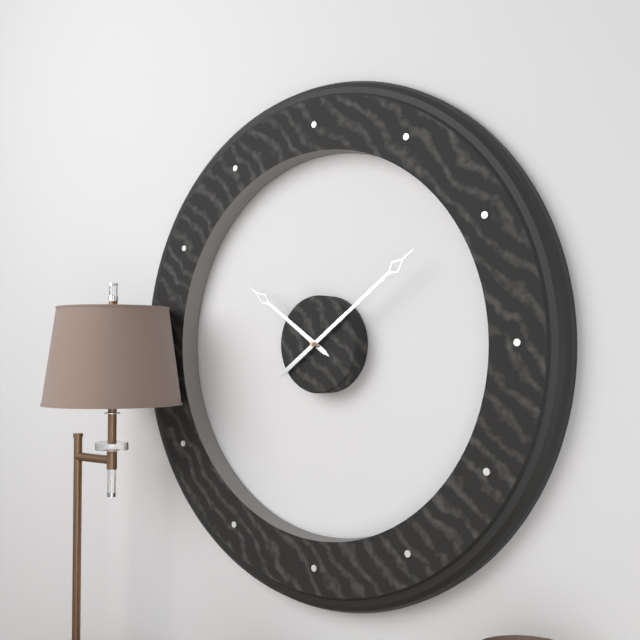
10:09
